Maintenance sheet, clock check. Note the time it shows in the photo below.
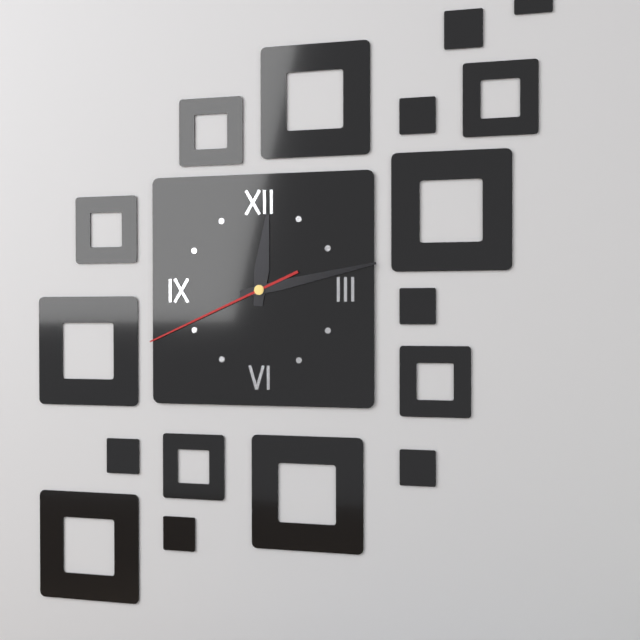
12:13:41
